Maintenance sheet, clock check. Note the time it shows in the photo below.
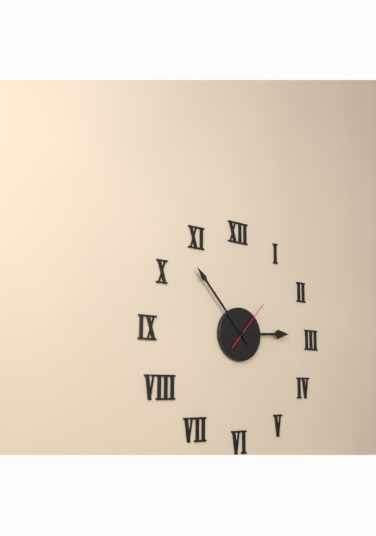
2:53:07
